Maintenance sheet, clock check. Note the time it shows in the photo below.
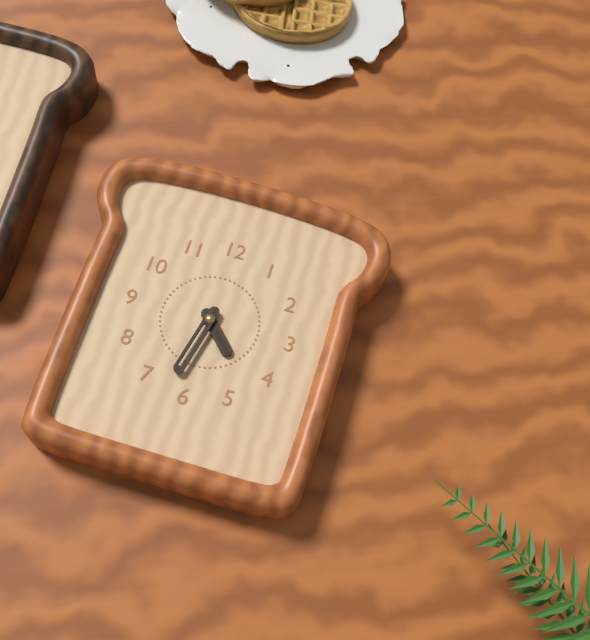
4:32
